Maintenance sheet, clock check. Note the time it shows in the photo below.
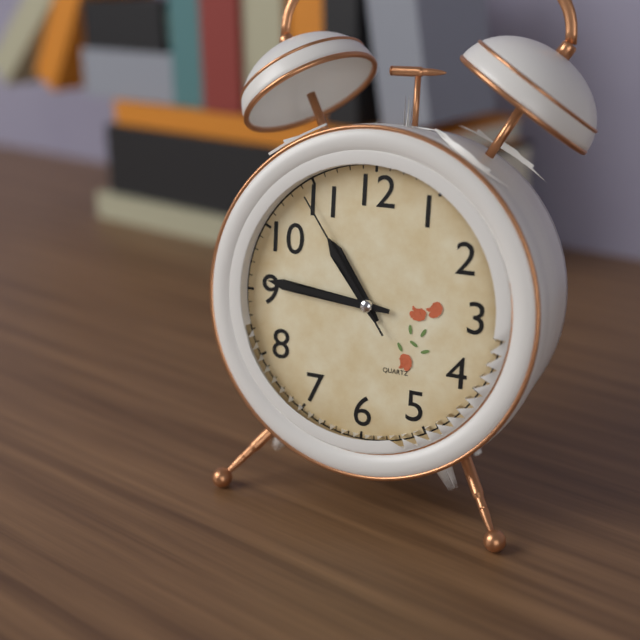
10:46:54
